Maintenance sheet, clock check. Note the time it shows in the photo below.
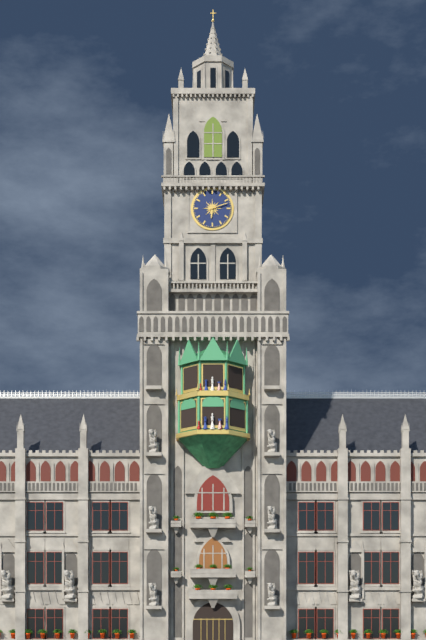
6:12
